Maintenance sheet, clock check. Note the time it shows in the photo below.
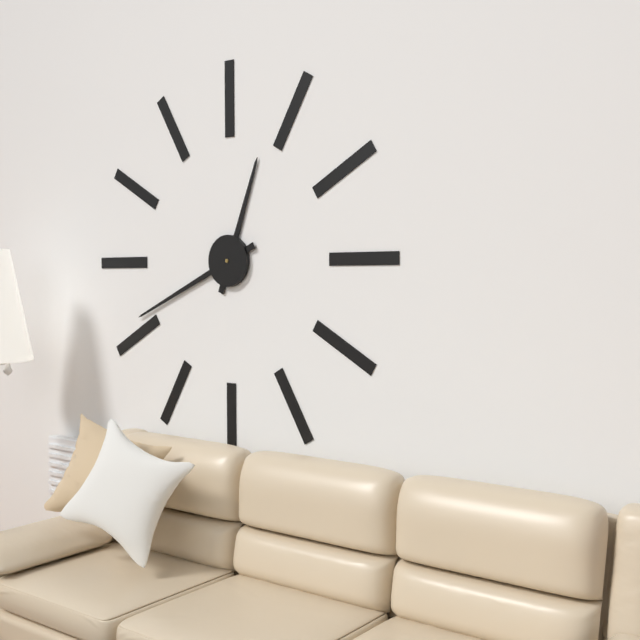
12:41
